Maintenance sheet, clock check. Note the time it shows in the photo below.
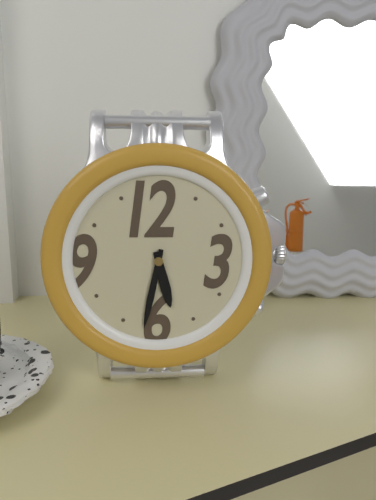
5:32
